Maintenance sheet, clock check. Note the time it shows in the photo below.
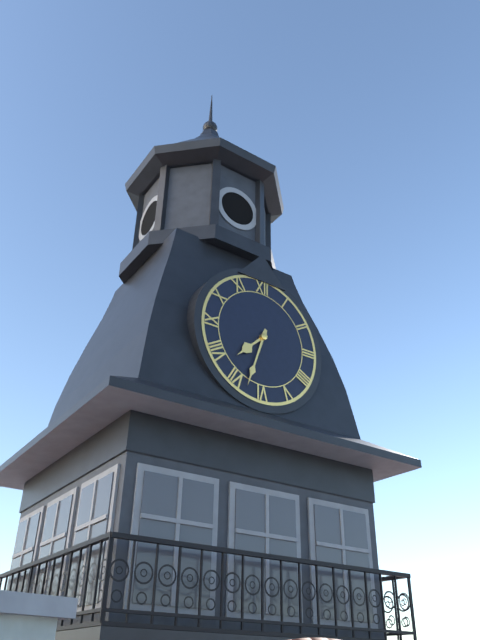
7:33
